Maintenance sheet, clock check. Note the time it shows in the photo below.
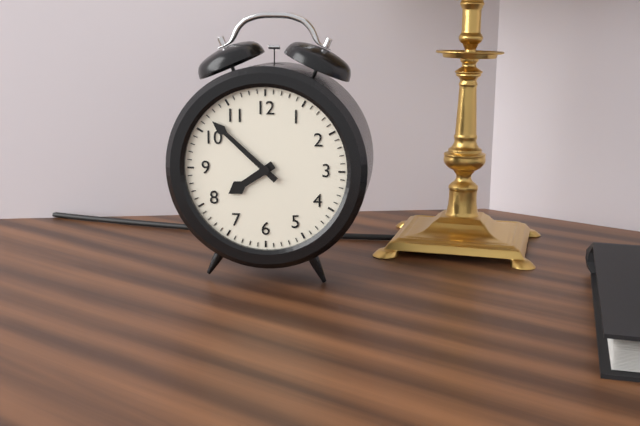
7:52
